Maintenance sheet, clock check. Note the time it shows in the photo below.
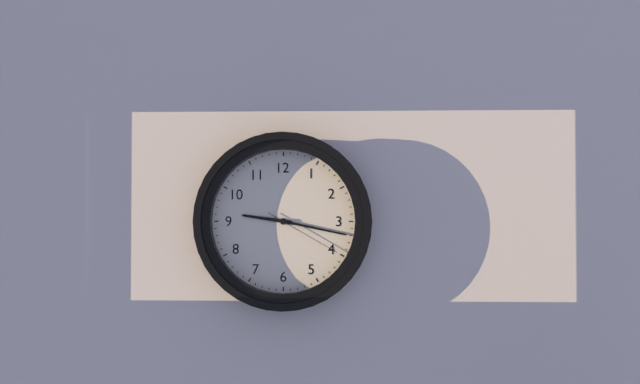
9:17:20
